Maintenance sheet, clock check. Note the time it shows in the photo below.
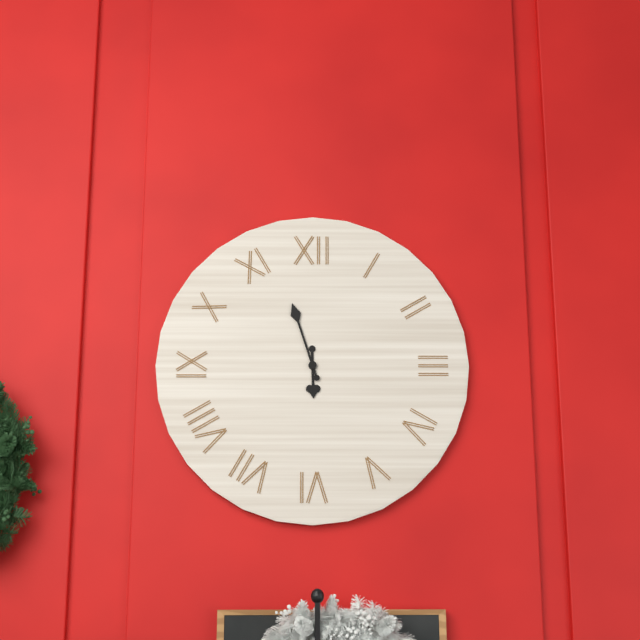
5:57
